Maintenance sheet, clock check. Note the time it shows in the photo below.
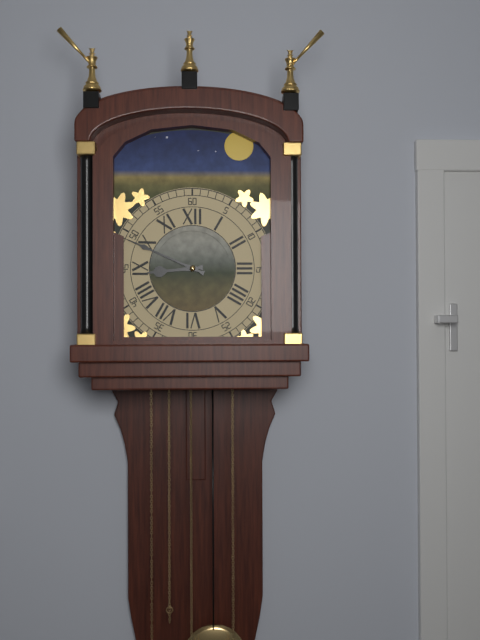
8:49
